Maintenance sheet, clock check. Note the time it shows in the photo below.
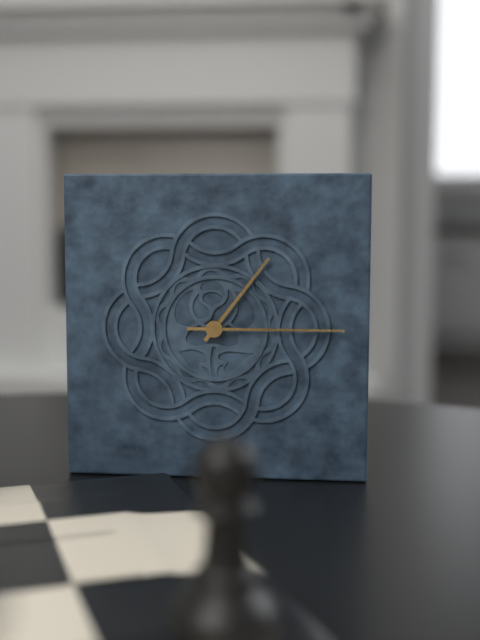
1:15
